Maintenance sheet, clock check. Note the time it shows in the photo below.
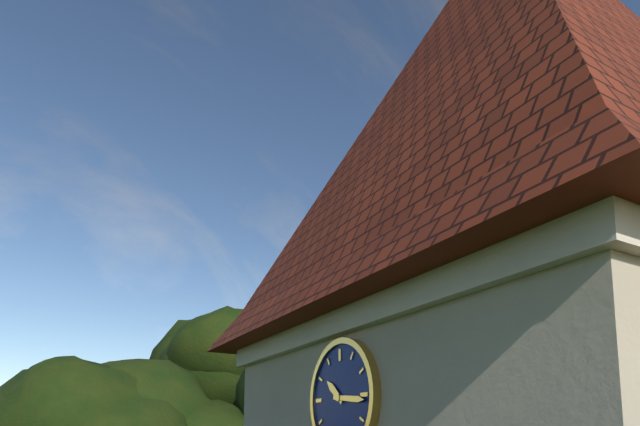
10:16
